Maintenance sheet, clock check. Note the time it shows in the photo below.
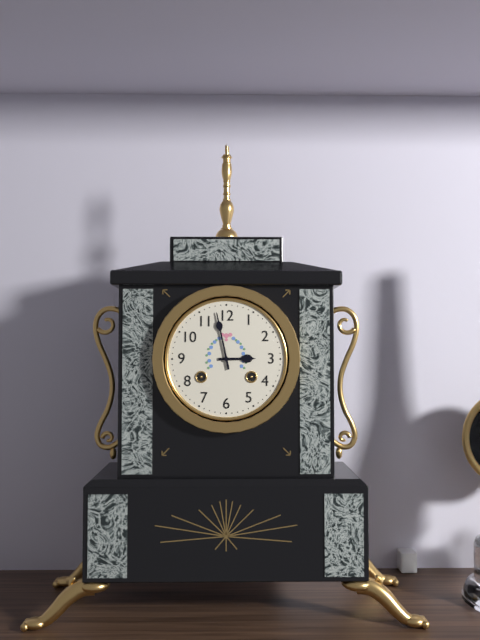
2:58
